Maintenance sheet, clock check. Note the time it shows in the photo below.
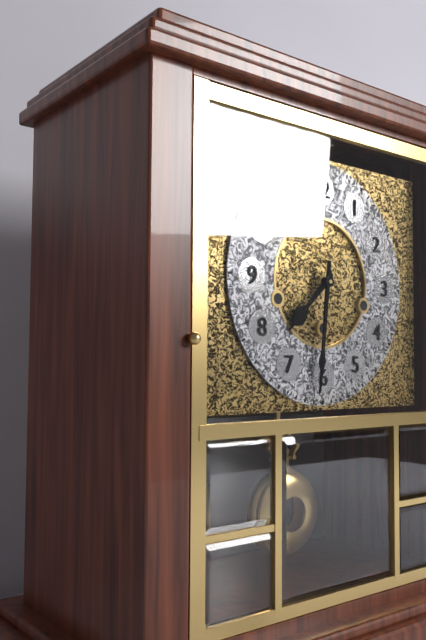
7:31
